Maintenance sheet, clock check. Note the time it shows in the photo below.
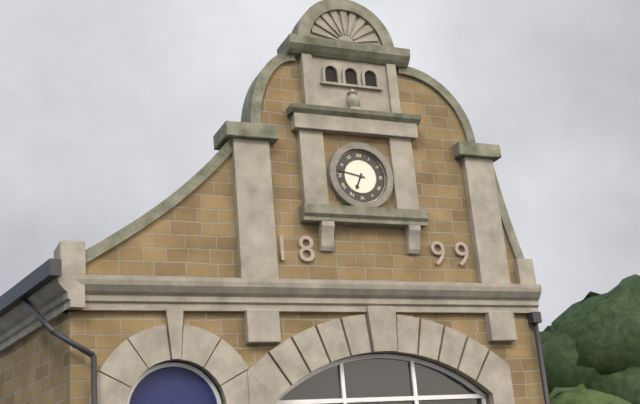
6:47
